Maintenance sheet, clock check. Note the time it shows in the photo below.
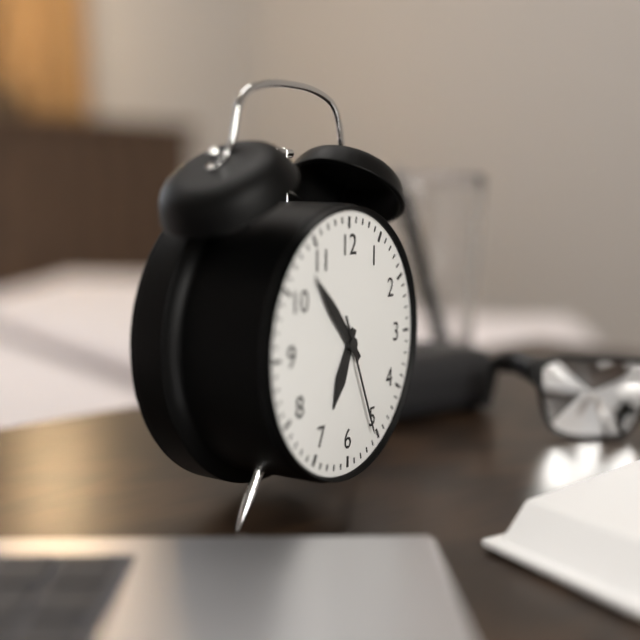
6:53:26
